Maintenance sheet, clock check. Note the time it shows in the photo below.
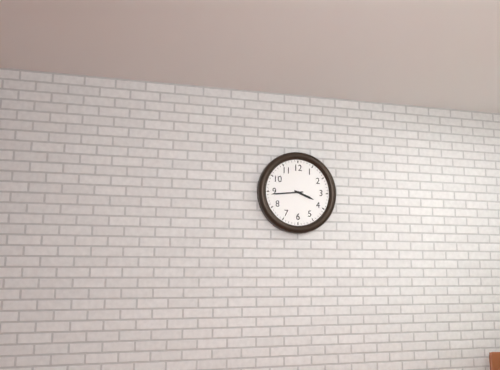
3:44
